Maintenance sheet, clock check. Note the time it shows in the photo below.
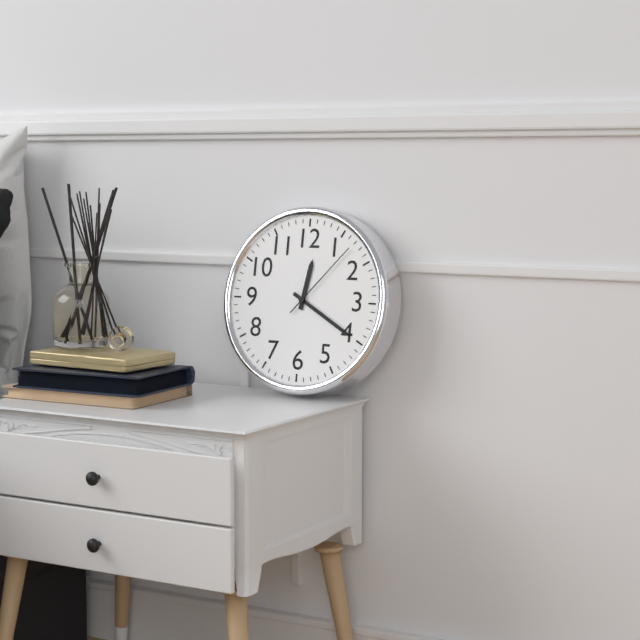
12:20:07
